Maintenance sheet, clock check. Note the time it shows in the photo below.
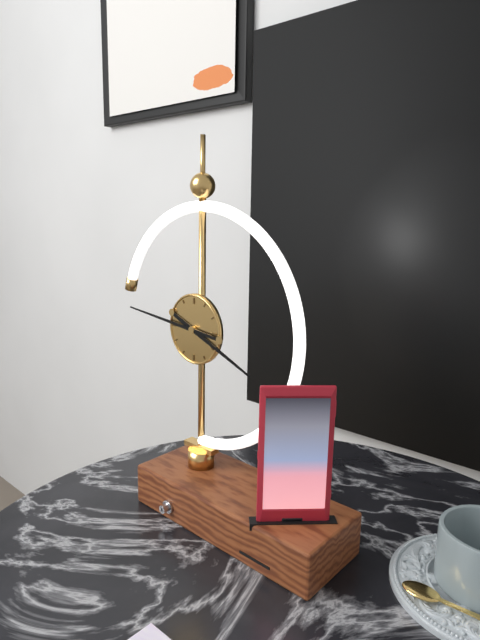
3:46
